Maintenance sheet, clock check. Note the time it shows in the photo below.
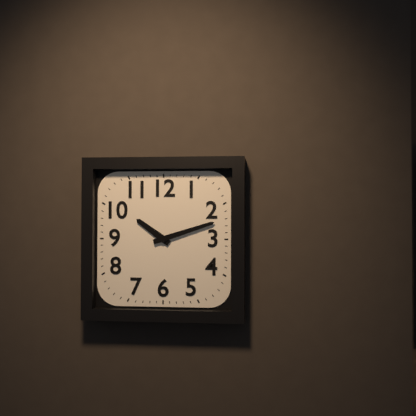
10:12
